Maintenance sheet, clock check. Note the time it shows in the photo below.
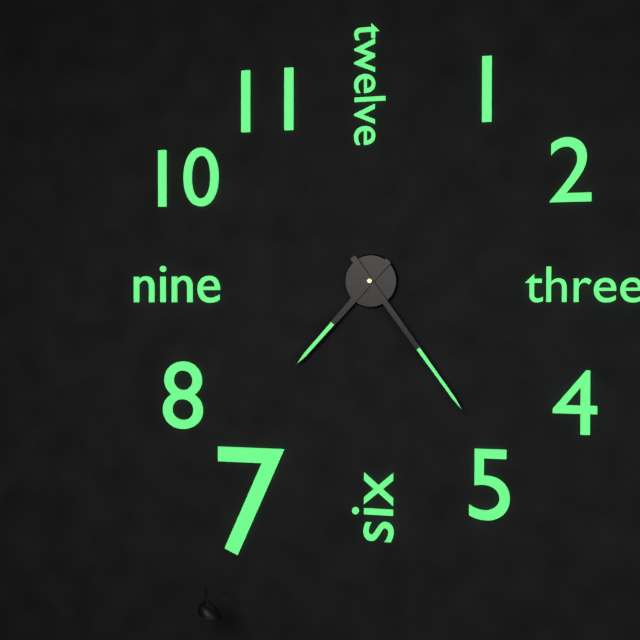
7:24
